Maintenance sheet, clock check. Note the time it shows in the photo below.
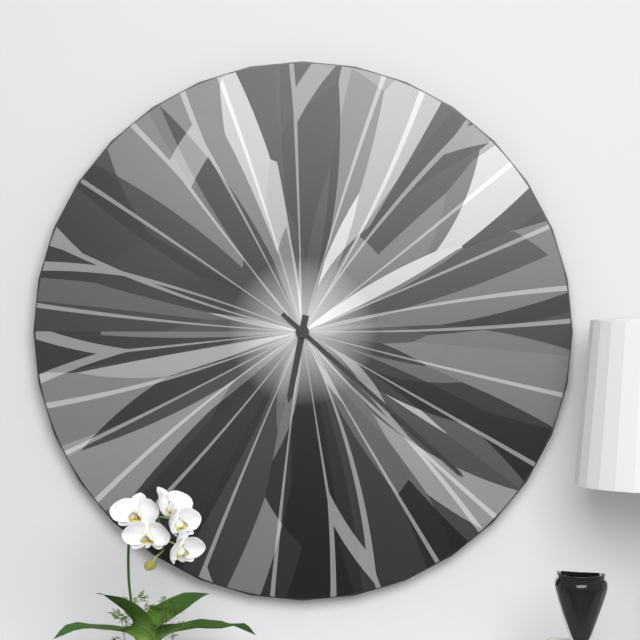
6:22
